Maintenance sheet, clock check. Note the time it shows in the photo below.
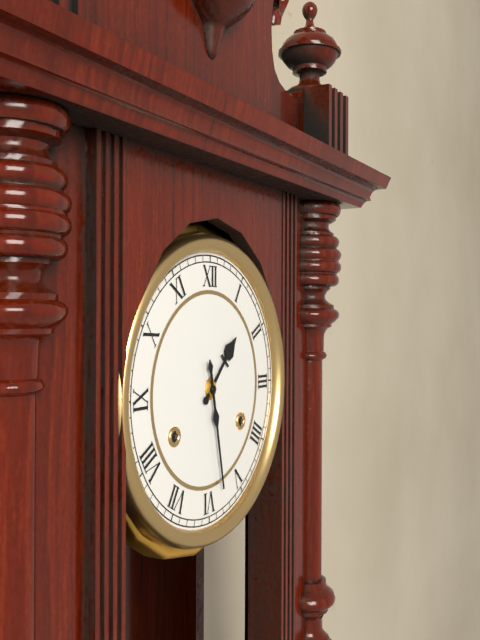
1:28
